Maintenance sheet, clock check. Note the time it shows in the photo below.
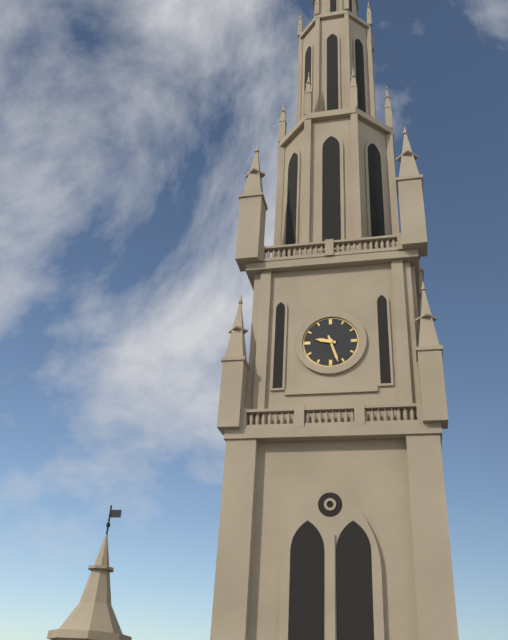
9:27
